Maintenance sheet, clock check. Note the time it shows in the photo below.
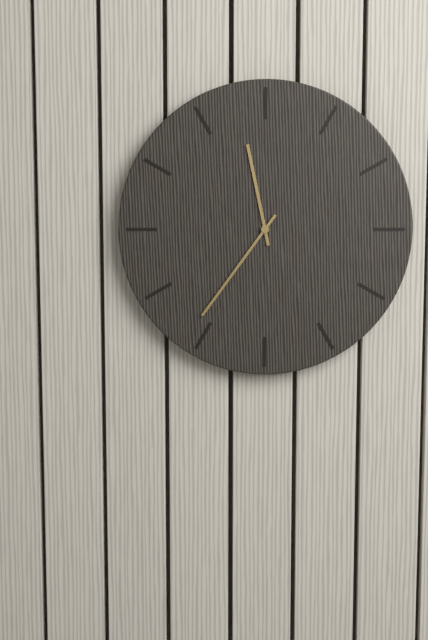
11:36
